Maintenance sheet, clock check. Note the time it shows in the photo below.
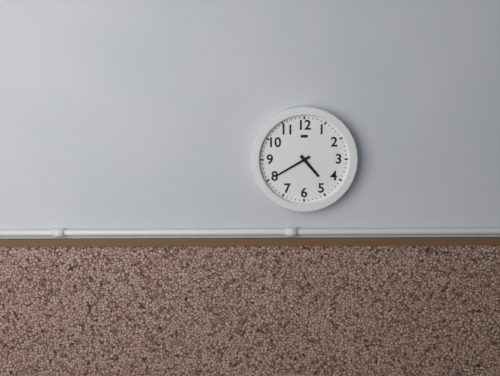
4:40
